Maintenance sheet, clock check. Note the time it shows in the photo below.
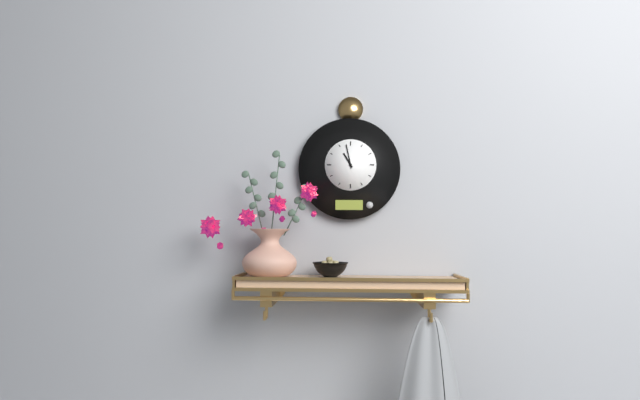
10:58
